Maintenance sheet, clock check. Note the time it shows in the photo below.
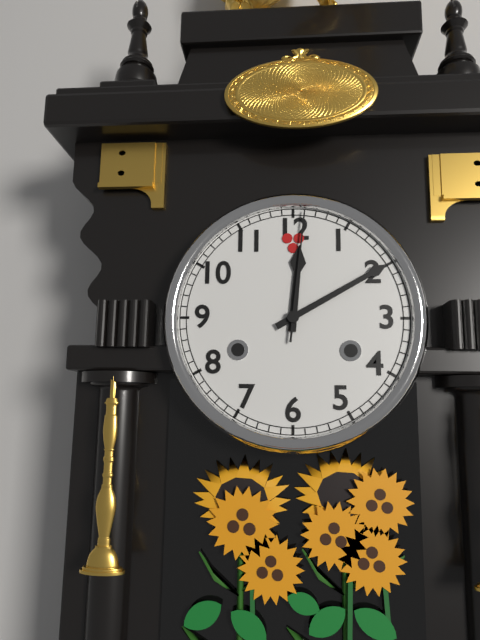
12:10:01
